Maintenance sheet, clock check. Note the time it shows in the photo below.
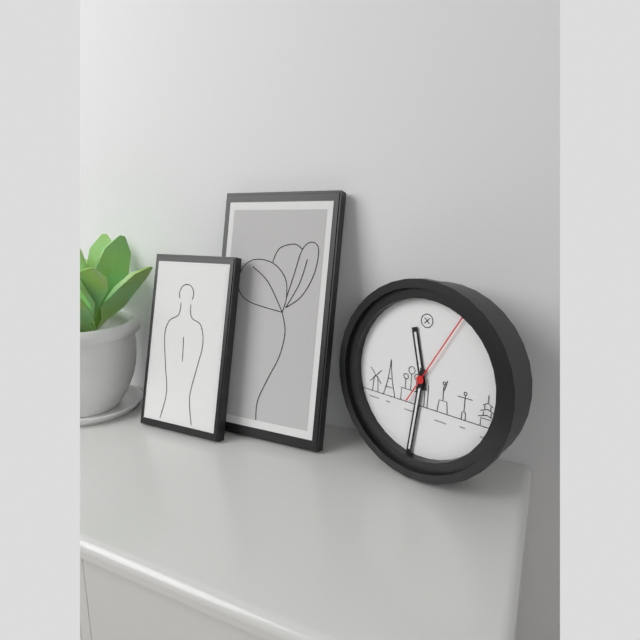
11:31:05
